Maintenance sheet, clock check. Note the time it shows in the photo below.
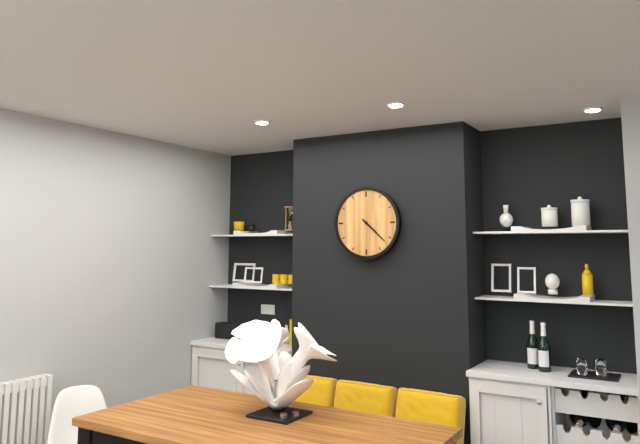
4:22
